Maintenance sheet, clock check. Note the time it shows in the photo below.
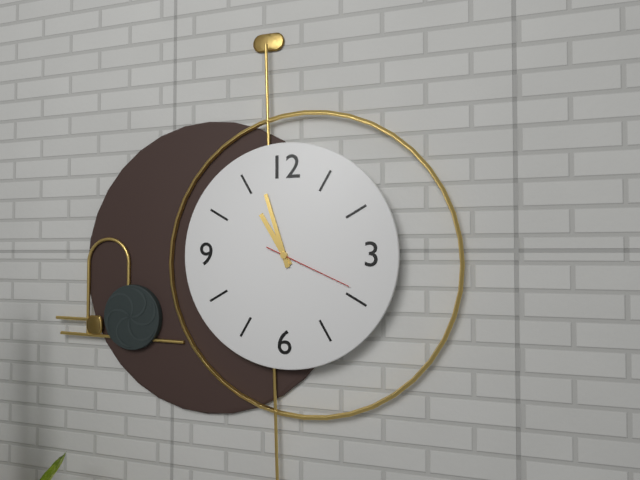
10:57:19
